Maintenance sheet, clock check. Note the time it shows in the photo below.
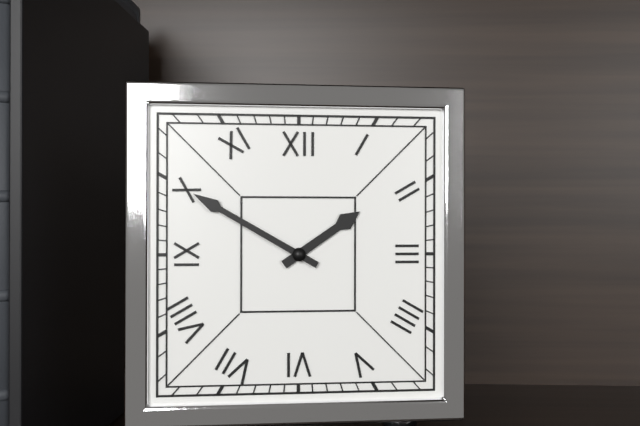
1:50
